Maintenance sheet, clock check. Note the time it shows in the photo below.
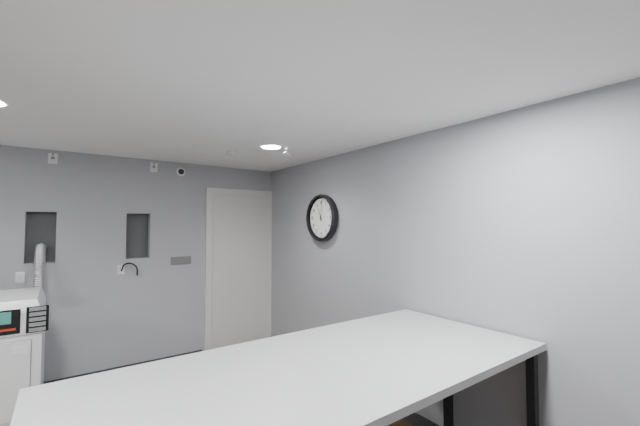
11:01
